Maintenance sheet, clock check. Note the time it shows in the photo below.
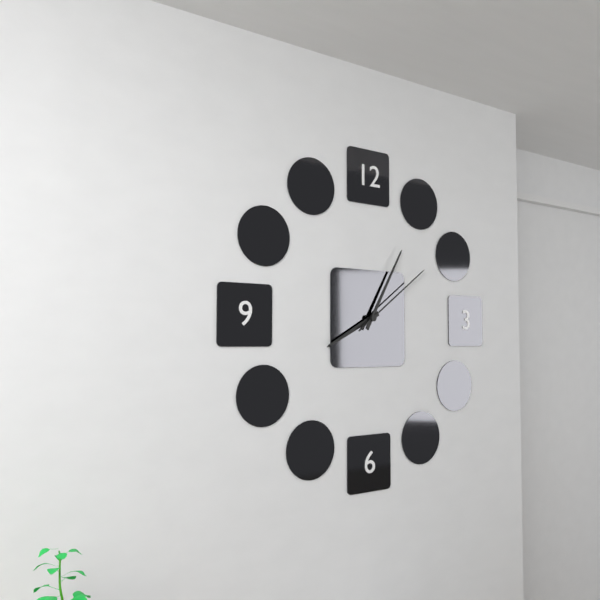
8:05:09
